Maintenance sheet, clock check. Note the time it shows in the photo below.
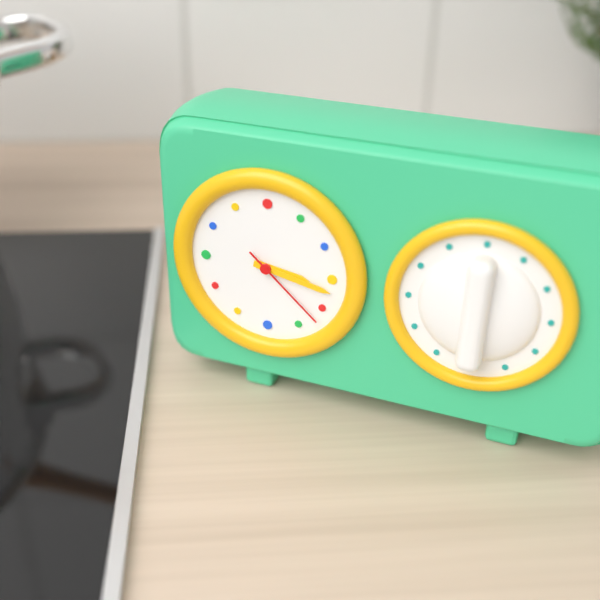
3:17:22
